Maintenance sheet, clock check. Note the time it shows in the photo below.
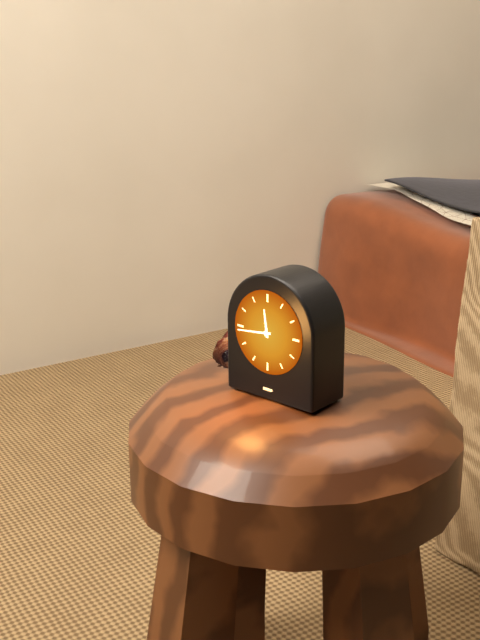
11:44
